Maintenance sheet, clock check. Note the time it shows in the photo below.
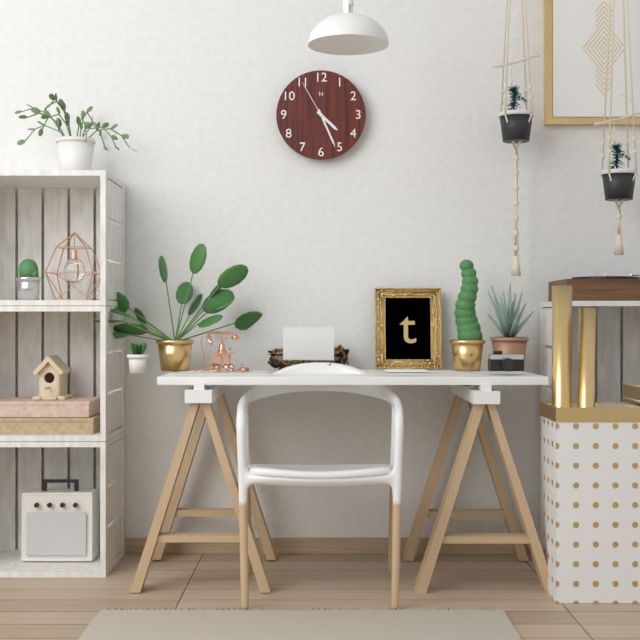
4:26
